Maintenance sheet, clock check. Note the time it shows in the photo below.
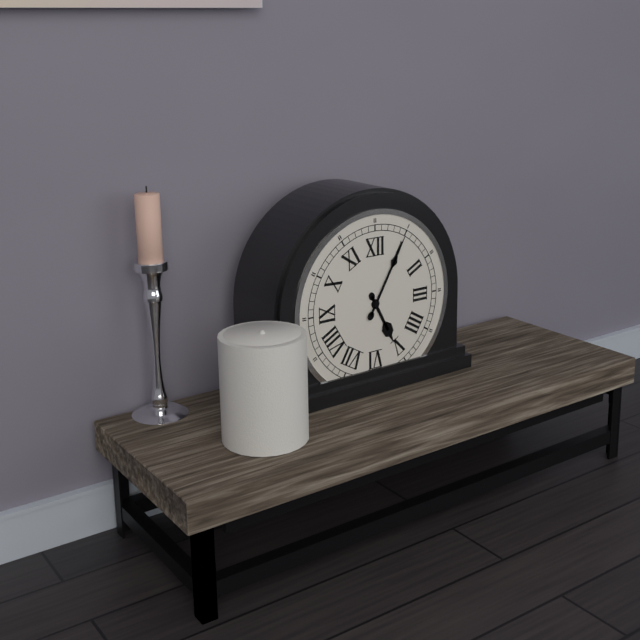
5:05
